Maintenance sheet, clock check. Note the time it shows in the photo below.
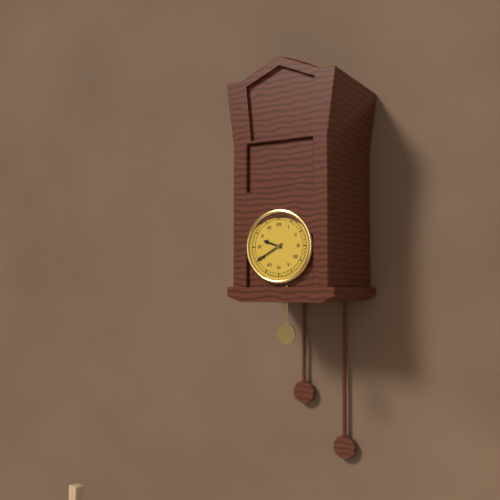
9:40
